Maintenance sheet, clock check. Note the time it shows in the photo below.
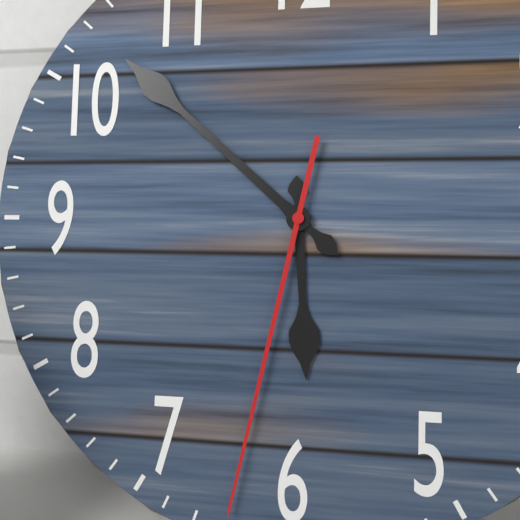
5:52:32
